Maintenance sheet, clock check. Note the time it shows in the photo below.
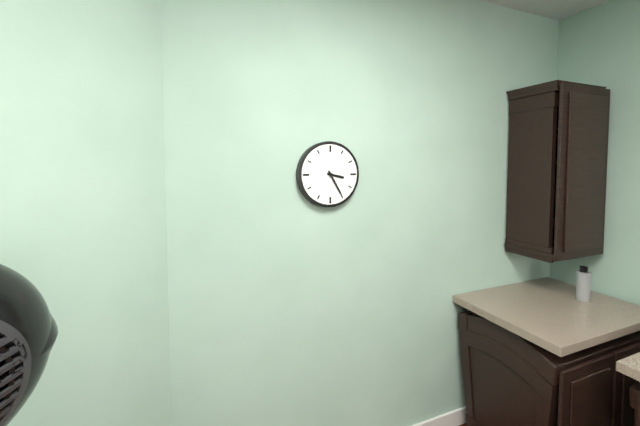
3:25
